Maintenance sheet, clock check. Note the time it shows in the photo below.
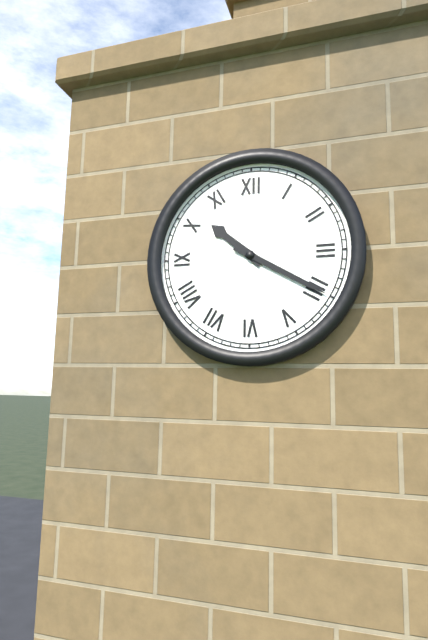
10:20
